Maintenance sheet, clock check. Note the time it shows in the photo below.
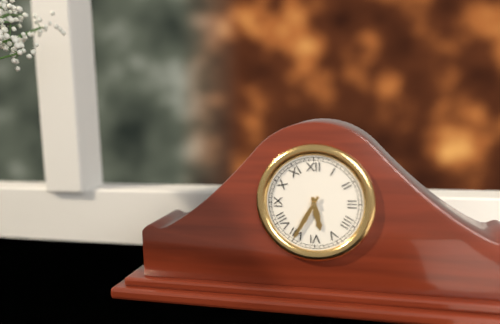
5:35
